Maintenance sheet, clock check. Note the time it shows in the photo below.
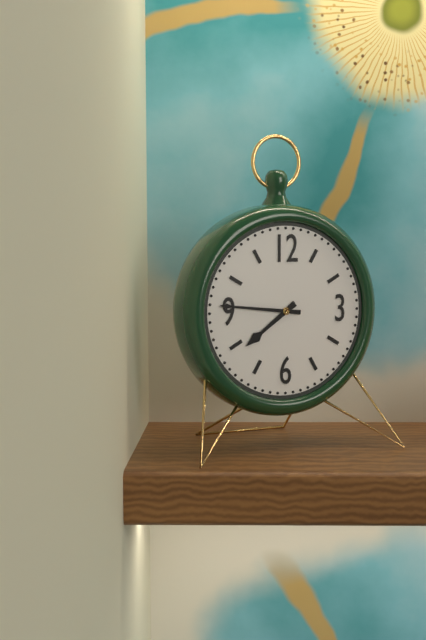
7:46
